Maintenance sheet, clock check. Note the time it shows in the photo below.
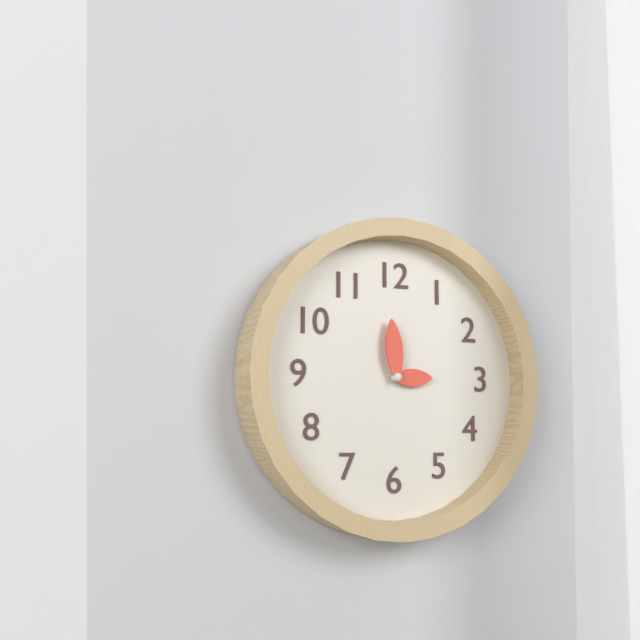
2:59
